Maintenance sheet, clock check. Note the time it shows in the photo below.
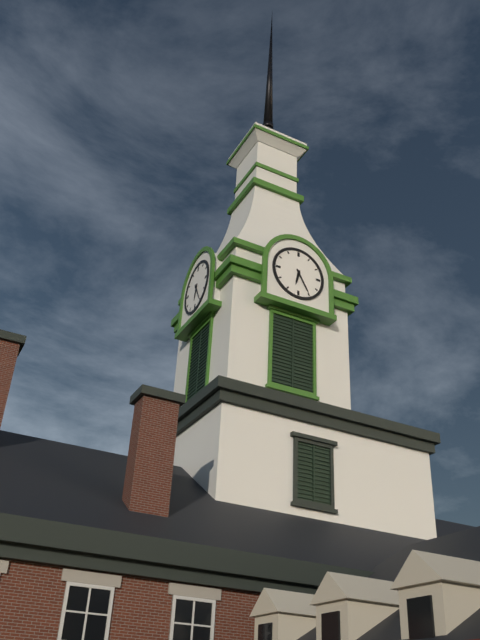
6:25
